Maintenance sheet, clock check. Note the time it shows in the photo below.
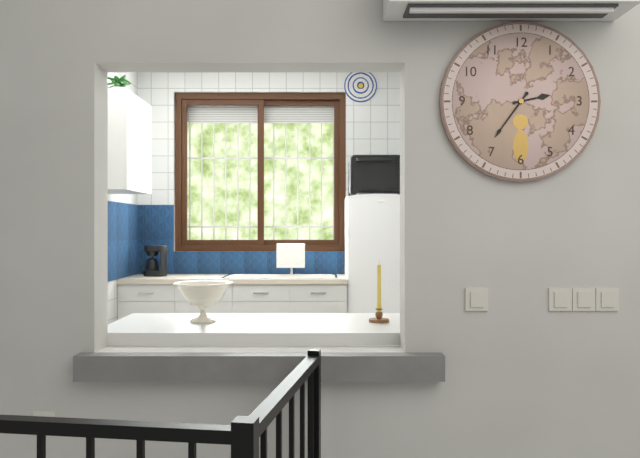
2:36
